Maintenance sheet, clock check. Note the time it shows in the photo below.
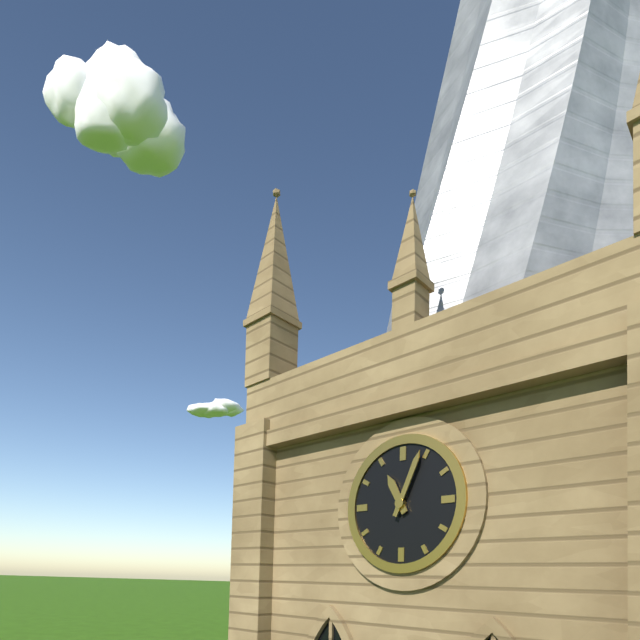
11:04
